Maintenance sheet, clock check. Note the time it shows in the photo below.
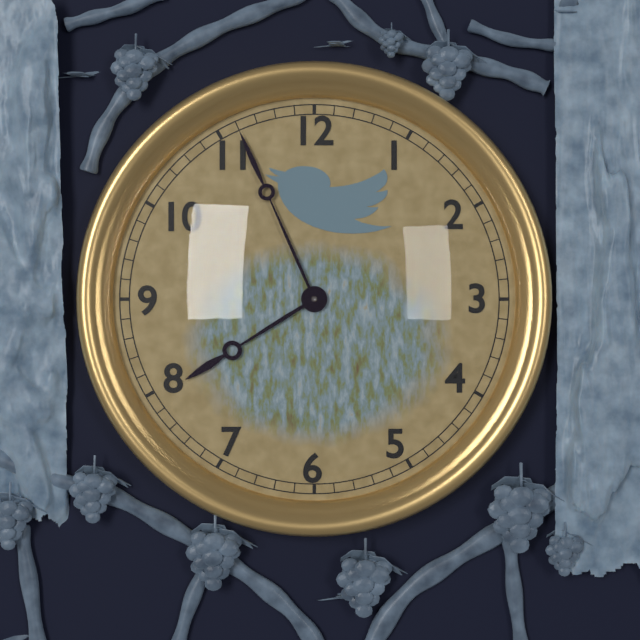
7:56
